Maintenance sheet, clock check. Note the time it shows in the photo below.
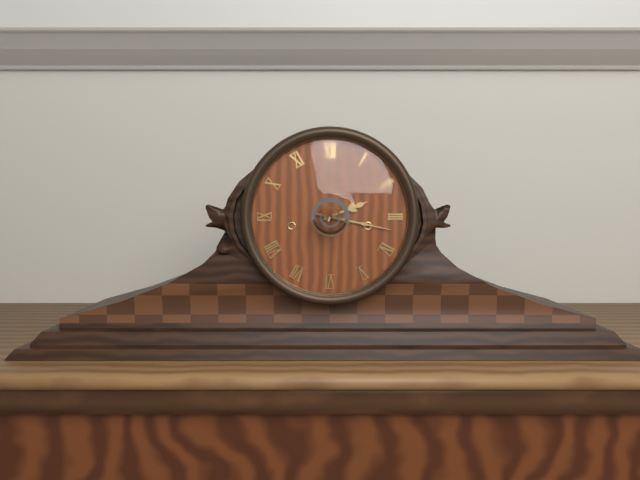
2:17
